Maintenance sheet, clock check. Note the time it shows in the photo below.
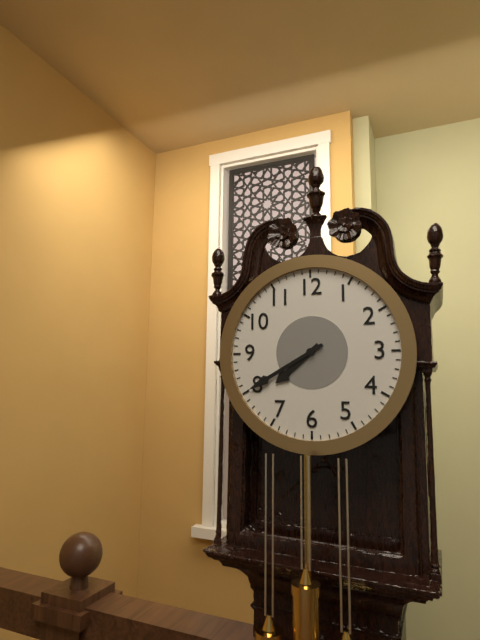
7:40
